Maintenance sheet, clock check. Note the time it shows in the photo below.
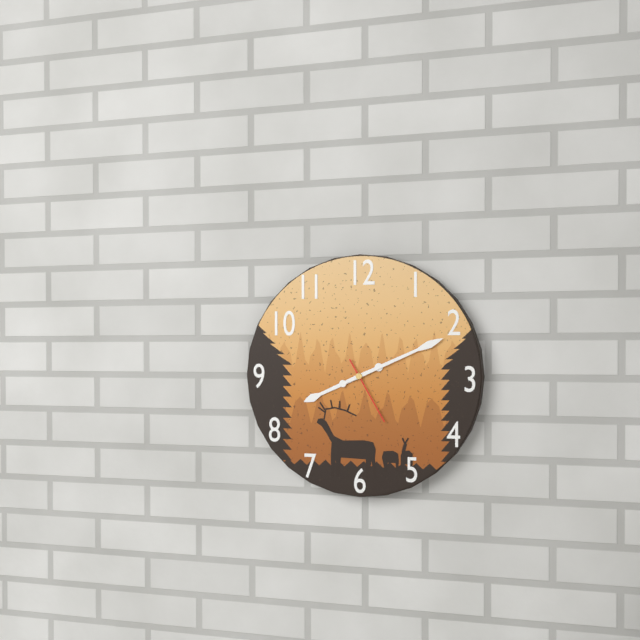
8:11:25
